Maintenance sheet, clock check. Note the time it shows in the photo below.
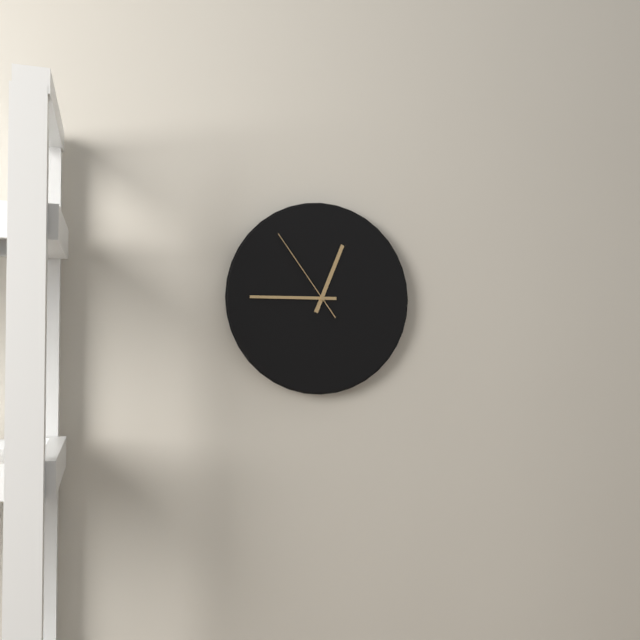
12:45:54
